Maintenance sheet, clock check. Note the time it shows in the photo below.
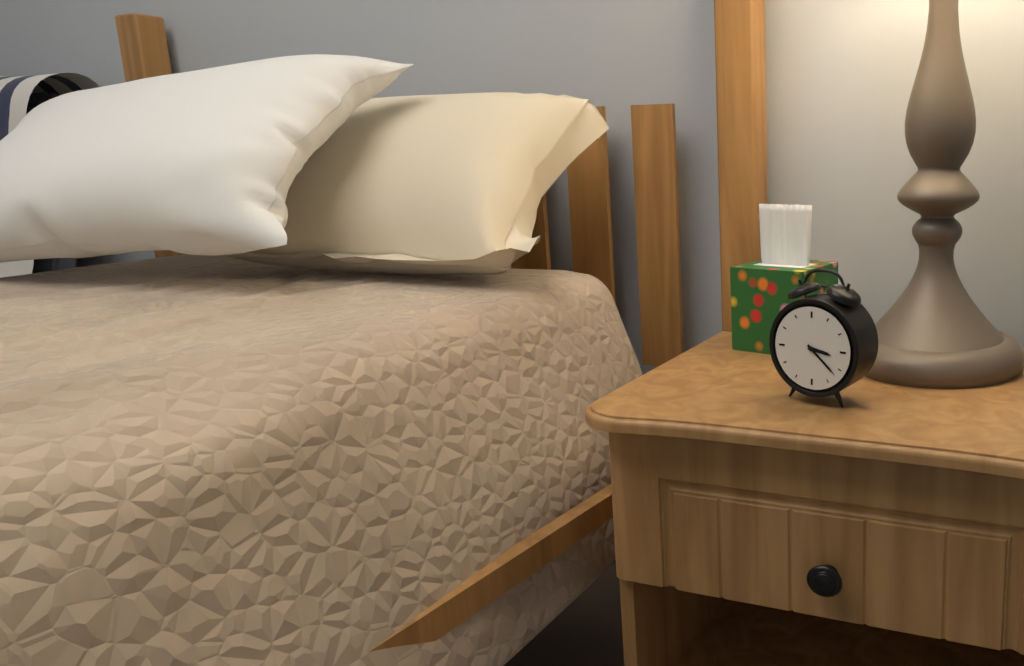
3:22
